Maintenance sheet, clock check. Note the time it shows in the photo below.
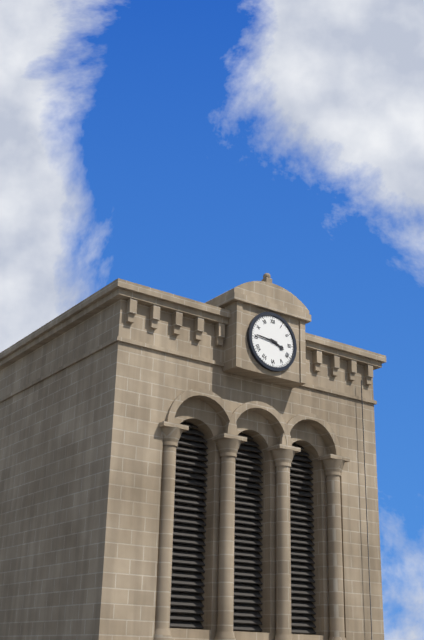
3:46
